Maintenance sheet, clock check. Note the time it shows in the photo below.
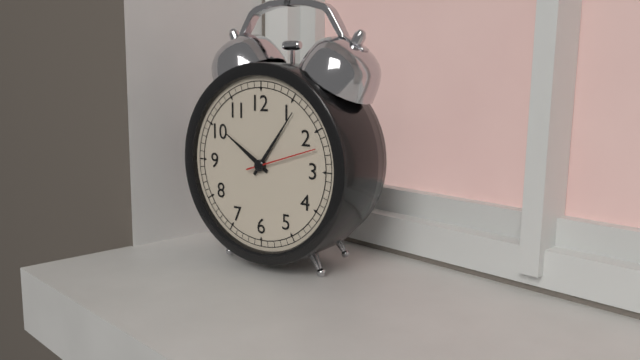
10:06:12
